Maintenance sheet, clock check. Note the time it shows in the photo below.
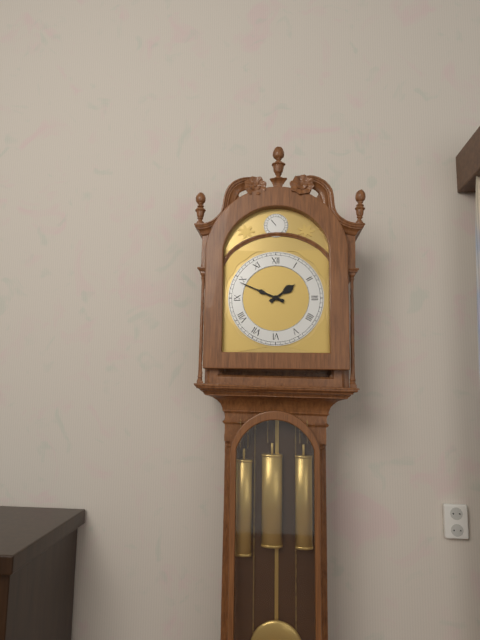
1:49
